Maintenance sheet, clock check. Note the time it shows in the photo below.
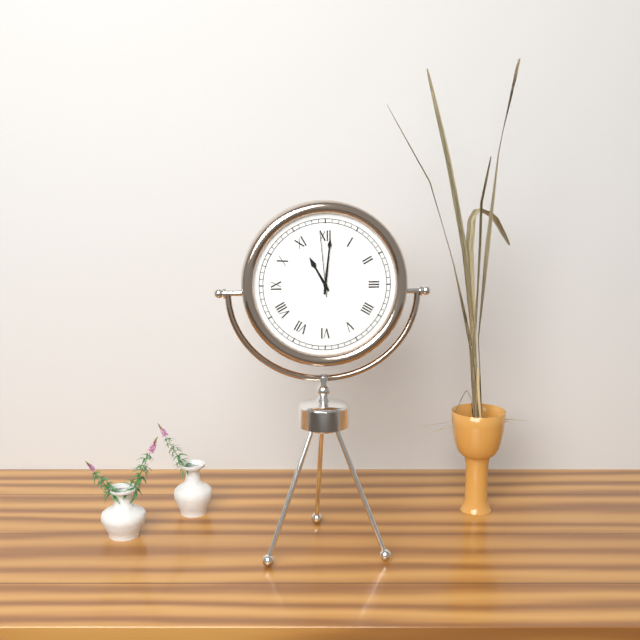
11:01:59
